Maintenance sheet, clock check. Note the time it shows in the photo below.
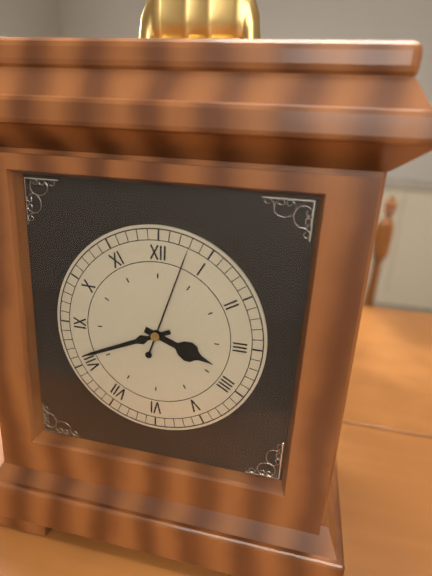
3:41:03
